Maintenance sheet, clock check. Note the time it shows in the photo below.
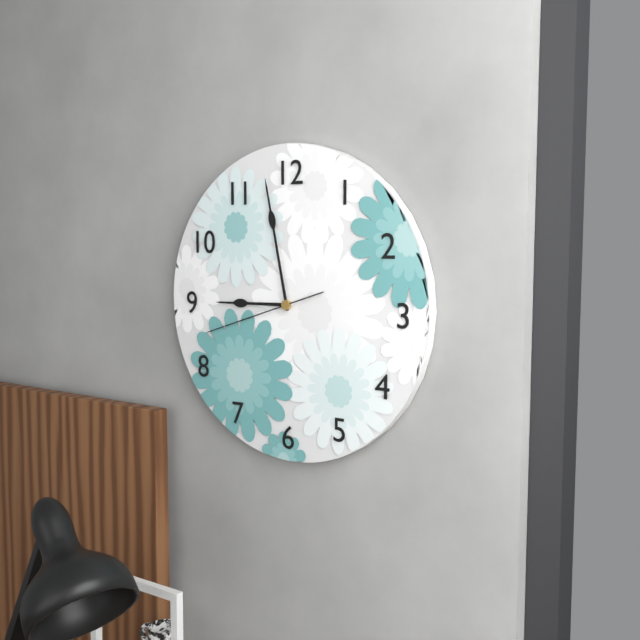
8:58:42
